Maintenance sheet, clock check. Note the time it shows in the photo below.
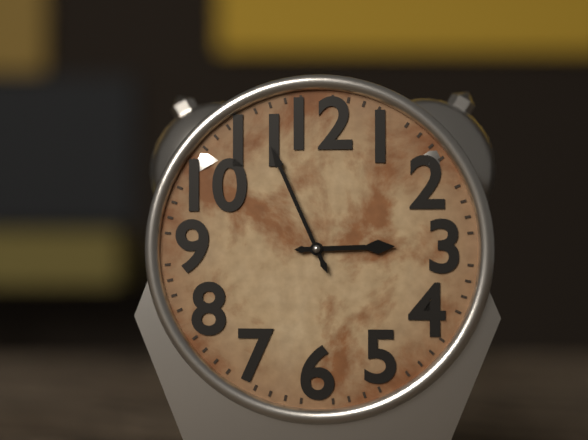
2:56
